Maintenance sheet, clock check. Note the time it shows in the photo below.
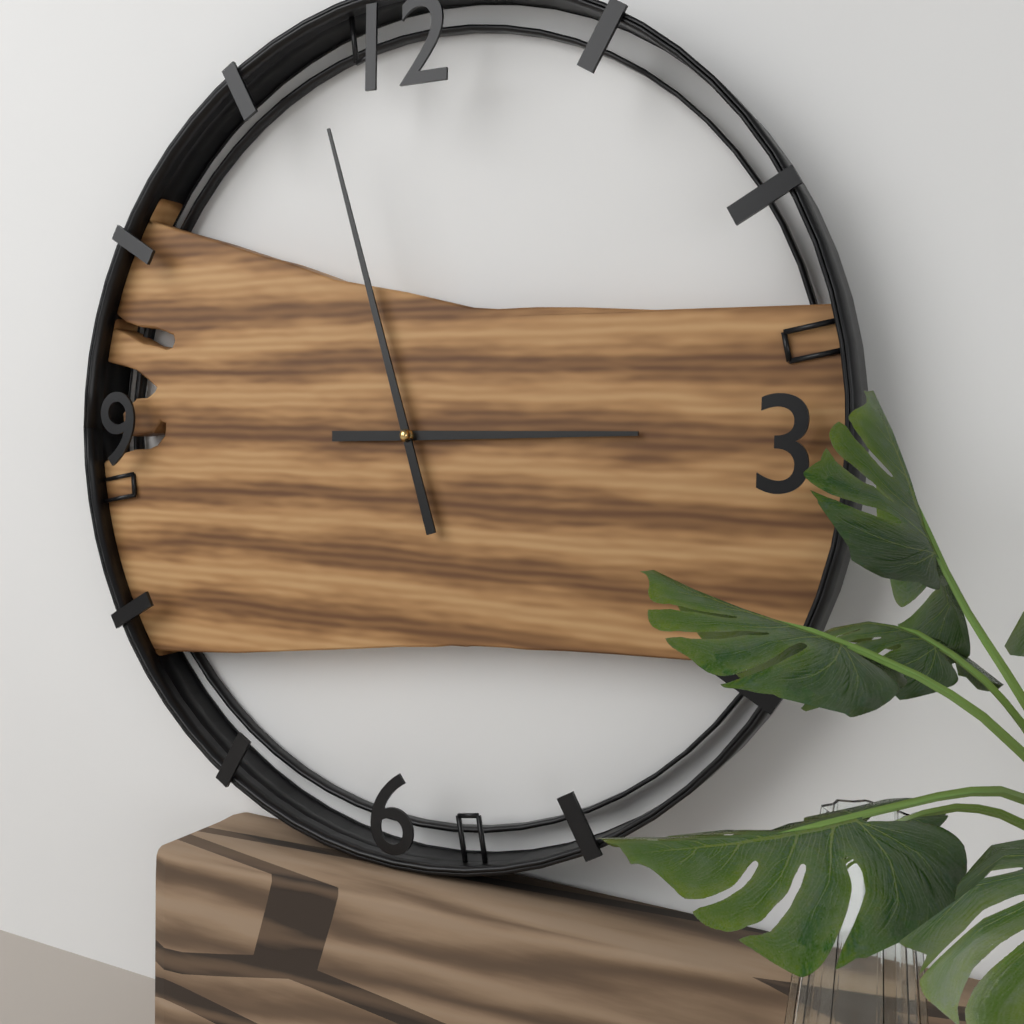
2:57
